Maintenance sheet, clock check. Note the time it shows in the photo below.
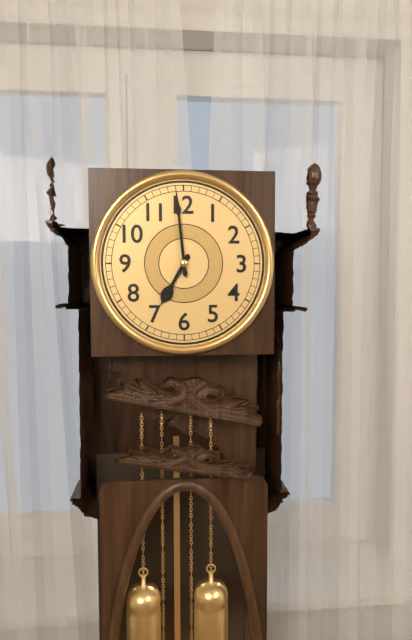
6:59
